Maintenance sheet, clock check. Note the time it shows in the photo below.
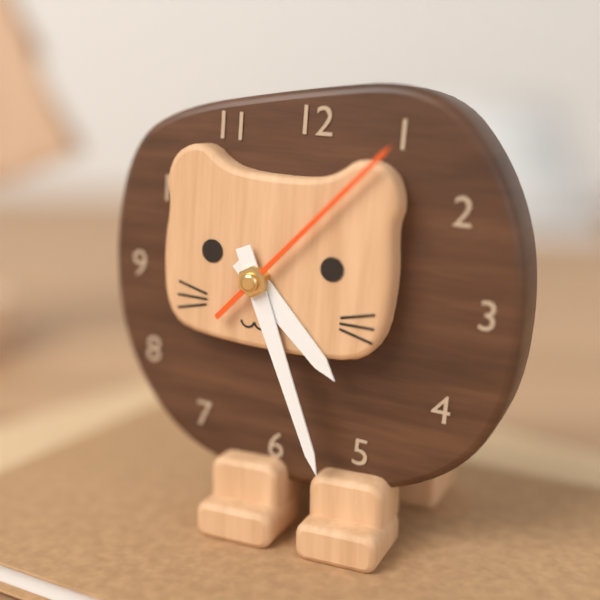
4:26:07
